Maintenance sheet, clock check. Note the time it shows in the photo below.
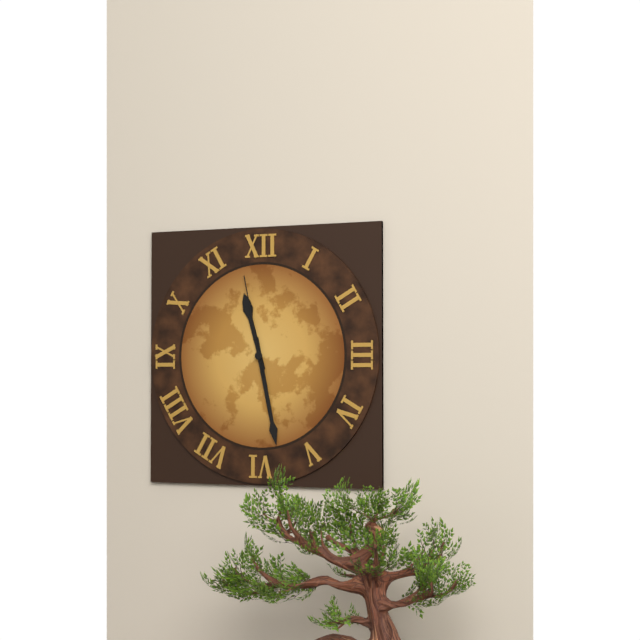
11:28:58
